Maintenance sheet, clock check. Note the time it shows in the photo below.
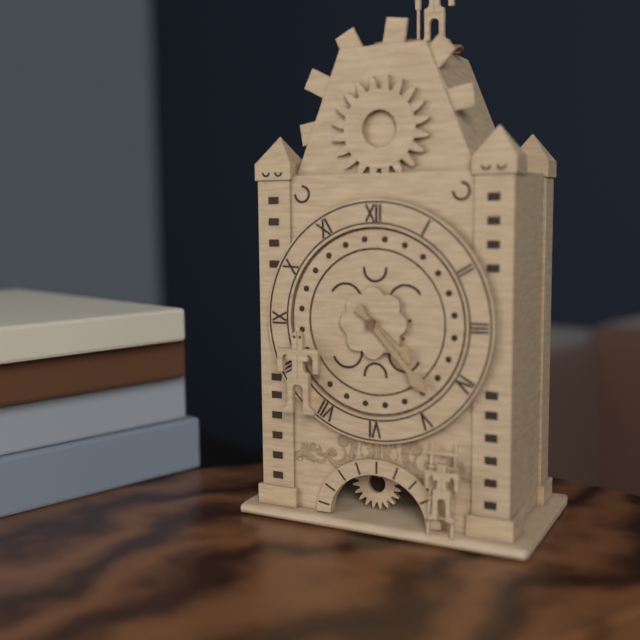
4:23
